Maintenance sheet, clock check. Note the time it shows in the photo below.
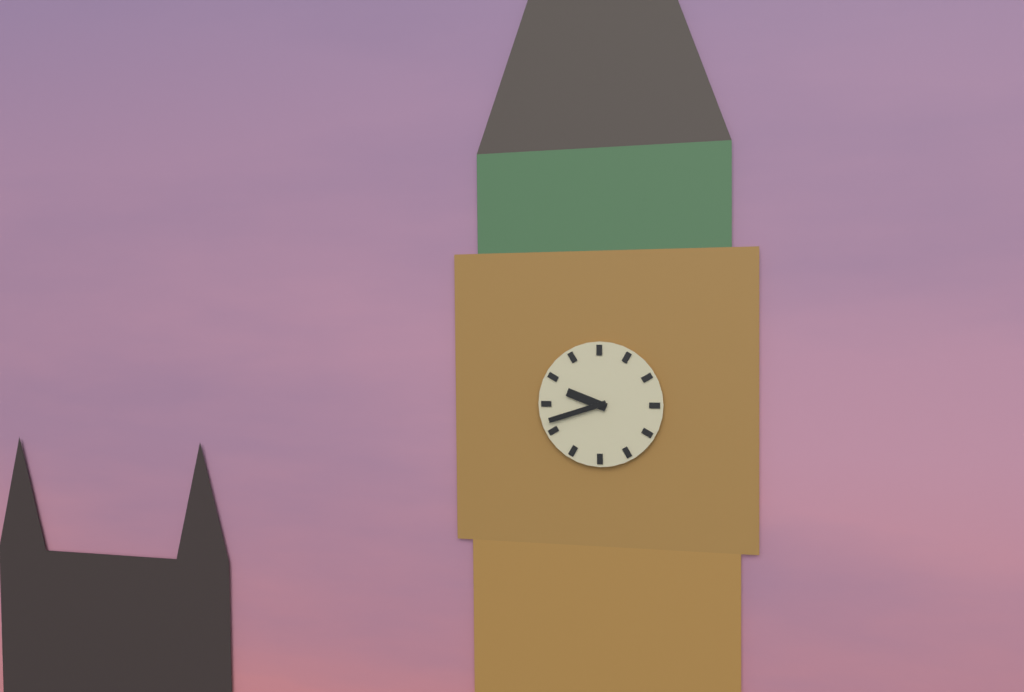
9:42
